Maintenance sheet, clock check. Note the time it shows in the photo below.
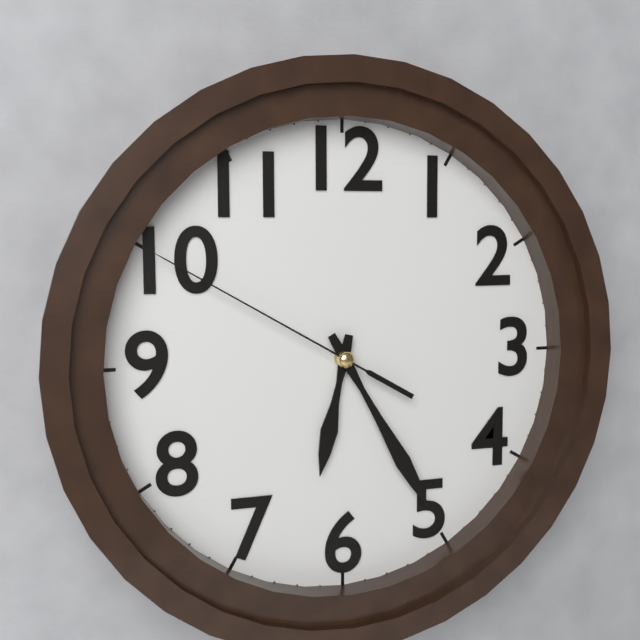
6:25:50
